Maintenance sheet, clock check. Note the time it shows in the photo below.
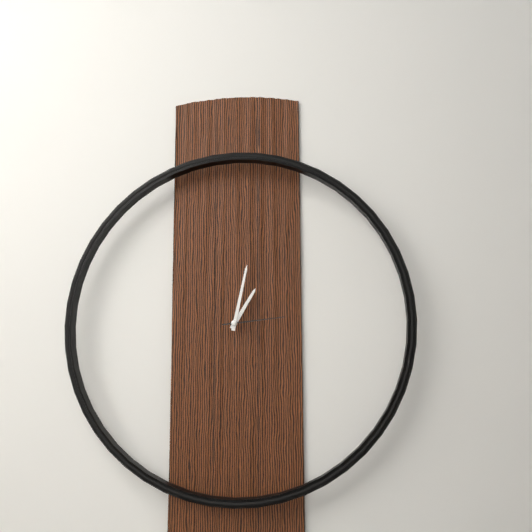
1:02:14
